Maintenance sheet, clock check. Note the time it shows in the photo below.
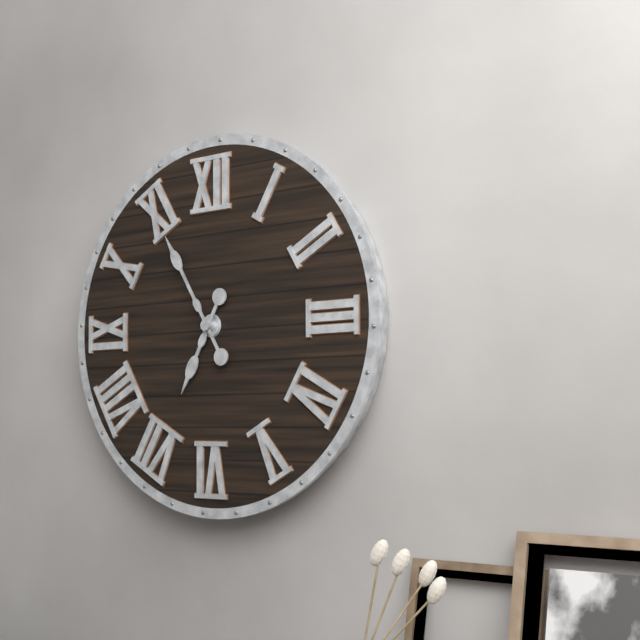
6:55
